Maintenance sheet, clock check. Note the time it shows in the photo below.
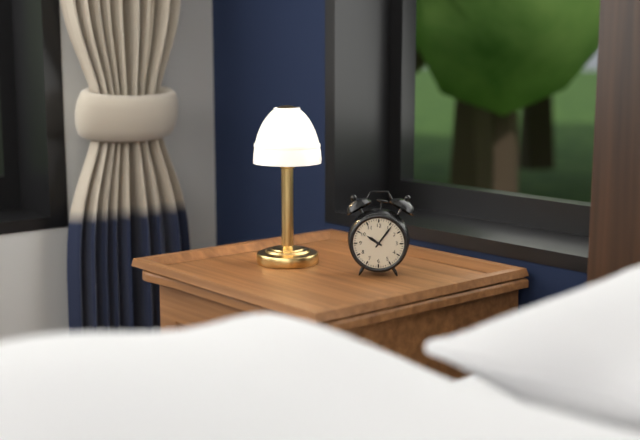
10:06
